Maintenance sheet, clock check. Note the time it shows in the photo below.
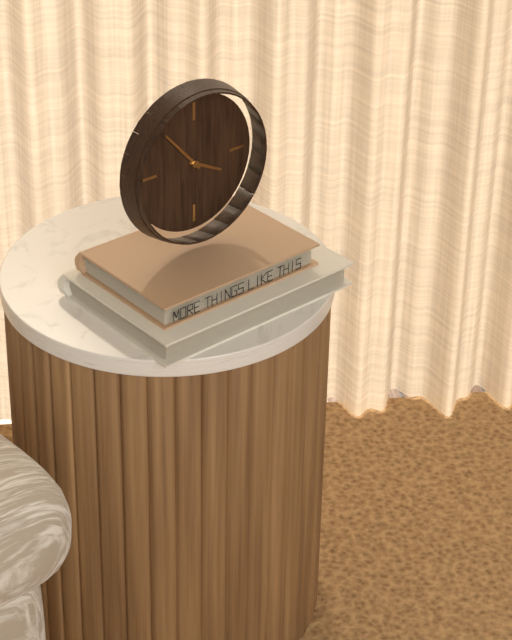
3:53
